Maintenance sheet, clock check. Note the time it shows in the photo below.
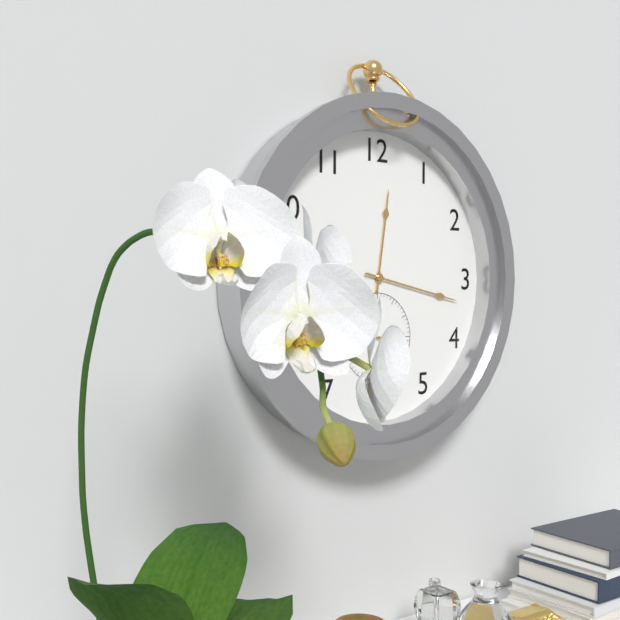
12:17
